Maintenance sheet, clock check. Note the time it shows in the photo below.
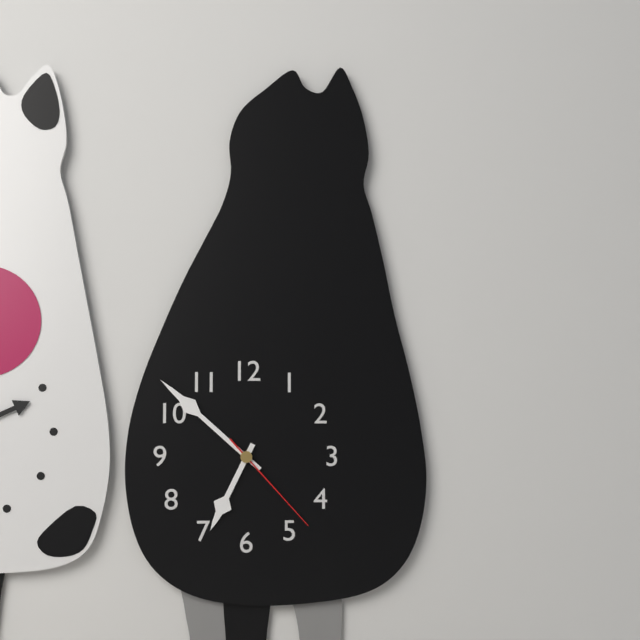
6:52:23
